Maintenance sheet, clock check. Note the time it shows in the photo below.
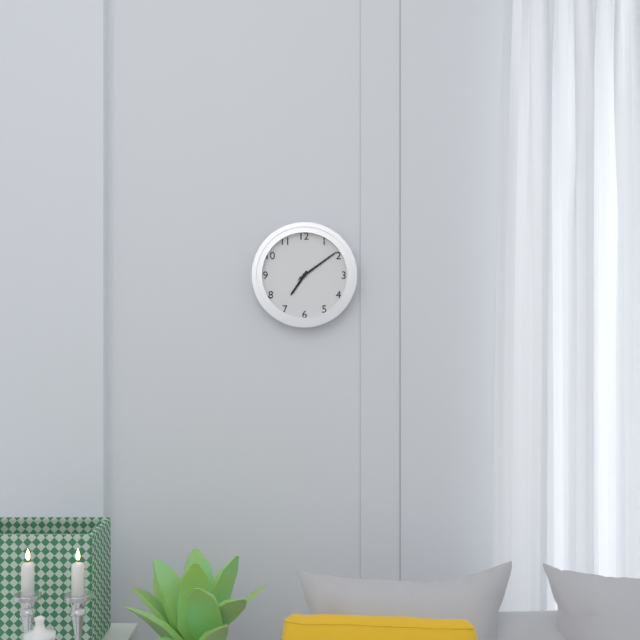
7:09
